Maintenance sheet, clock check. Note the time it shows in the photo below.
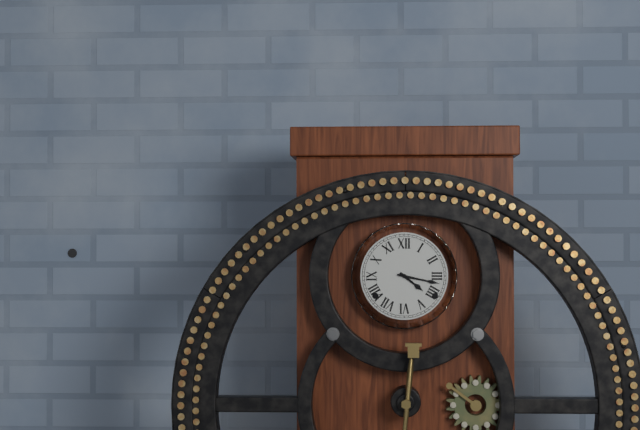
4:17
